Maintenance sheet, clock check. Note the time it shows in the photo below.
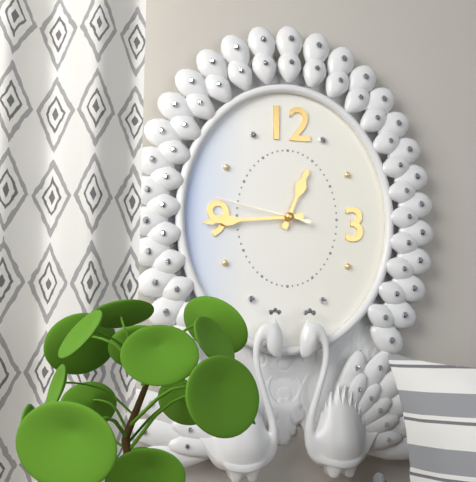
12:44:47
